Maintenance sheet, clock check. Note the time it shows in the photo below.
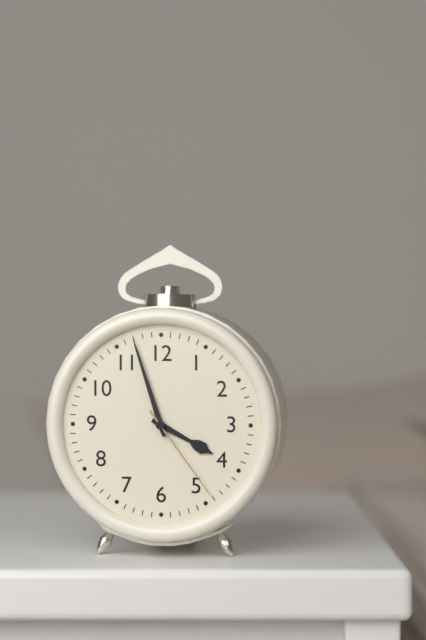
3:57:24
